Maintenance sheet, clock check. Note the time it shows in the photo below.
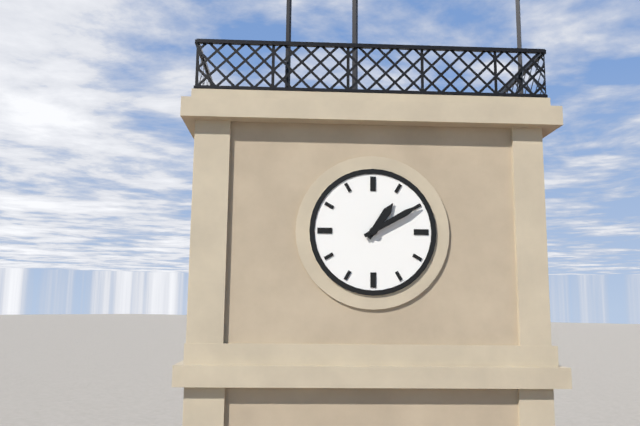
1:10
